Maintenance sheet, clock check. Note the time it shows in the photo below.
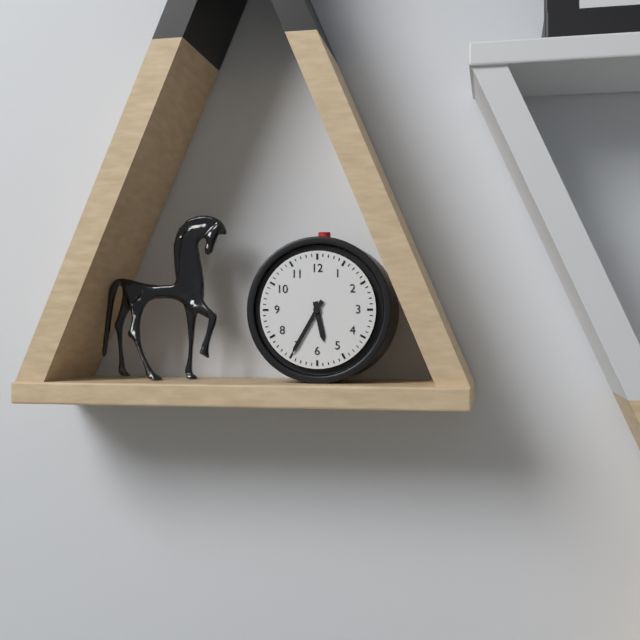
5:35
